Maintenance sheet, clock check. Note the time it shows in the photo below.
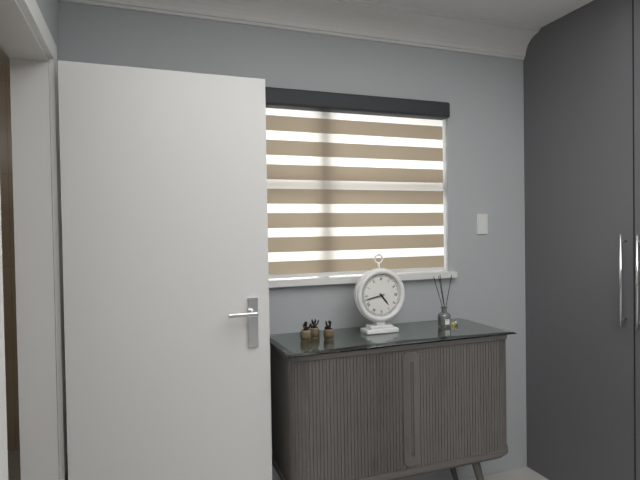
4:43
